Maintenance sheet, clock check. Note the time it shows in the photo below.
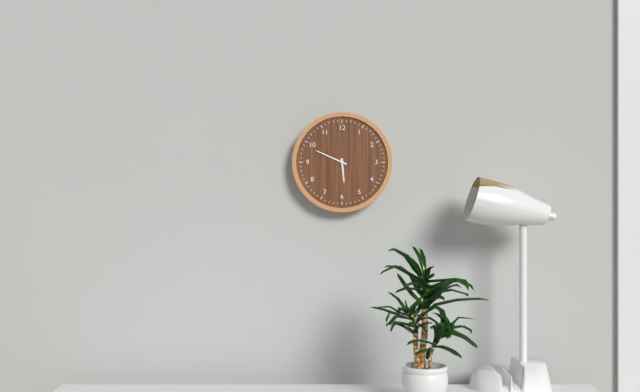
5:49
